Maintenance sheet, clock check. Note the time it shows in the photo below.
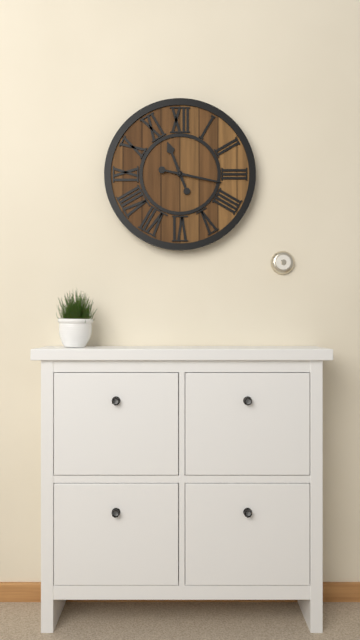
11:17
